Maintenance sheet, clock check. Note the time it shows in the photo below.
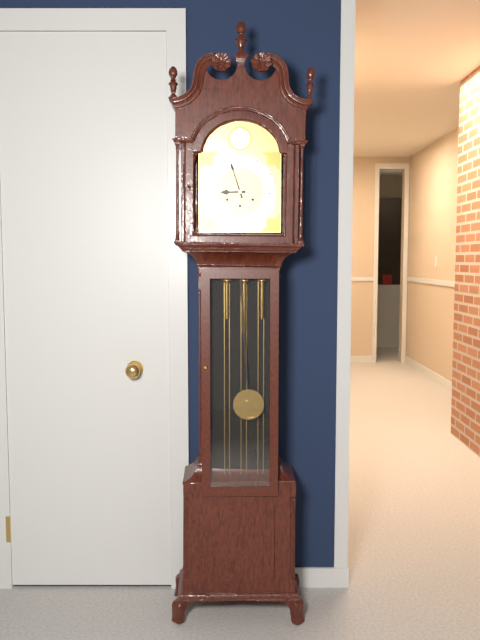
8:57
